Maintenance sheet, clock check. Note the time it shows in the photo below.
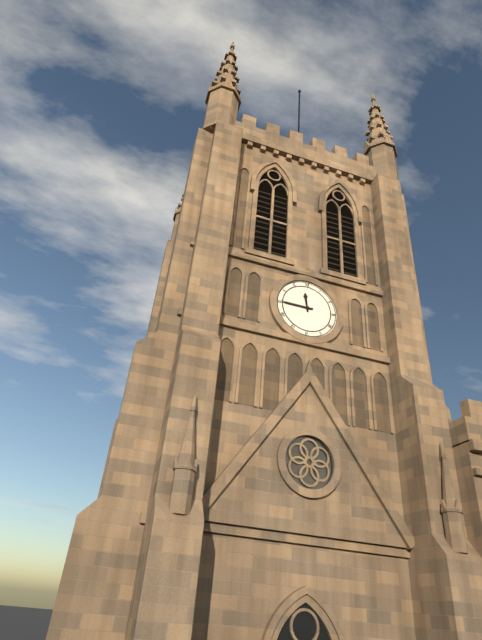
11:45
